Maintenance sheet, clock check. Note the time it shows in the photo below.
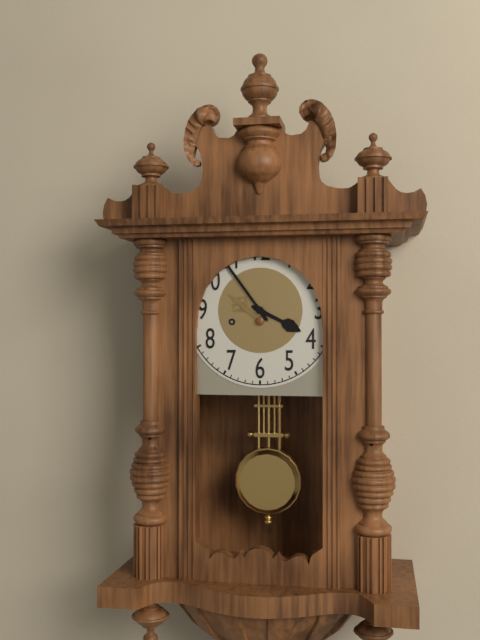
3:54
